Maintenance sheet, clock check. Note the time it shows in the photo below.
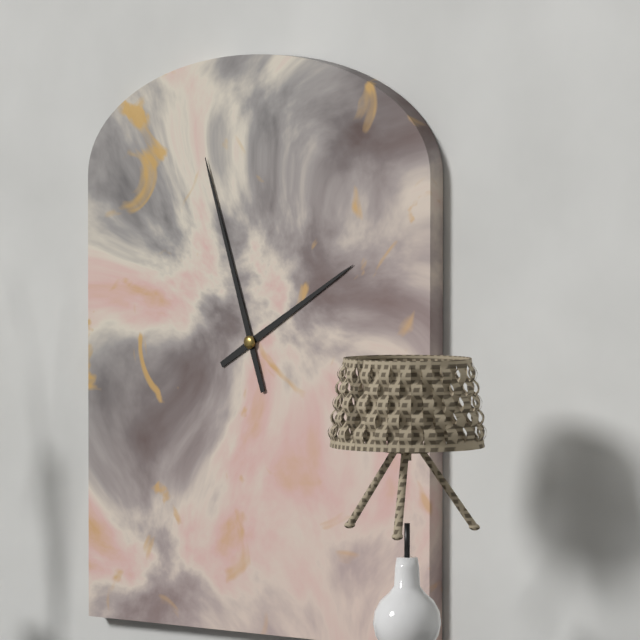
1:57
